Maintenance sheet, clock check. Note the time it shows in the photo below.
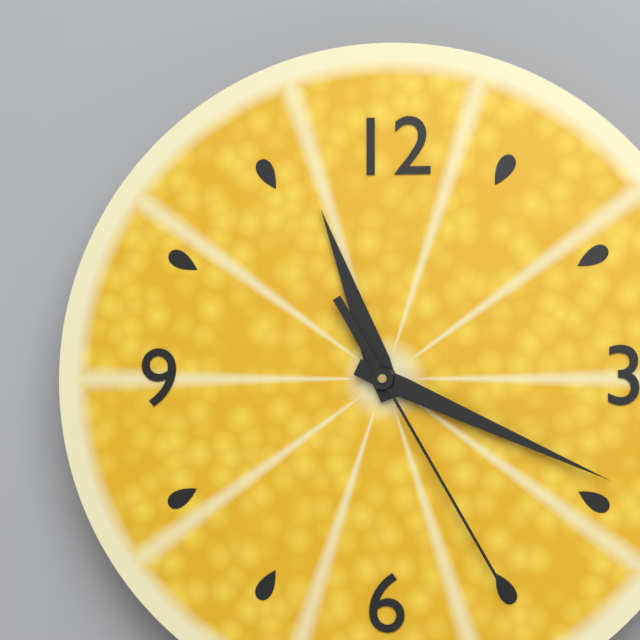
11:19:25
